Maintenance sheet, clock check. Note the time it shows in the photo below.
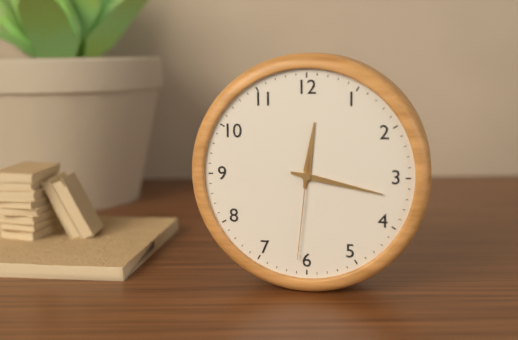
12:17:31
